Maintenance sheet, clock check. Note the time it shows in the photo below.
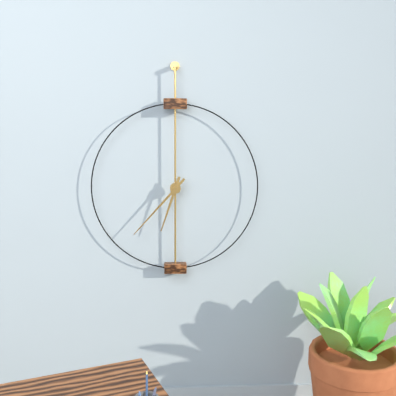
6:37
